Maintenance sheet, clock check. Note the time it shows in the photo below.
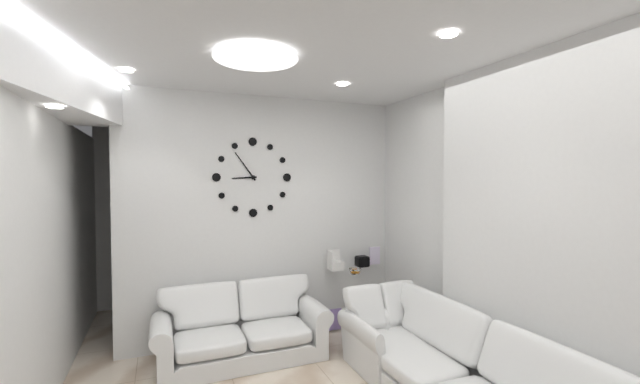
8:54
